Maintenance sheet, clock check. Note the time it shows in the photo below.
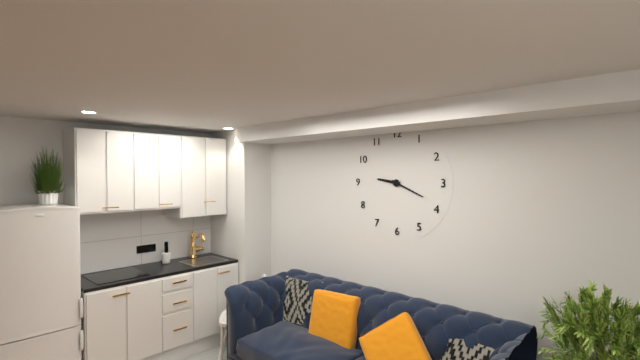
9:19
